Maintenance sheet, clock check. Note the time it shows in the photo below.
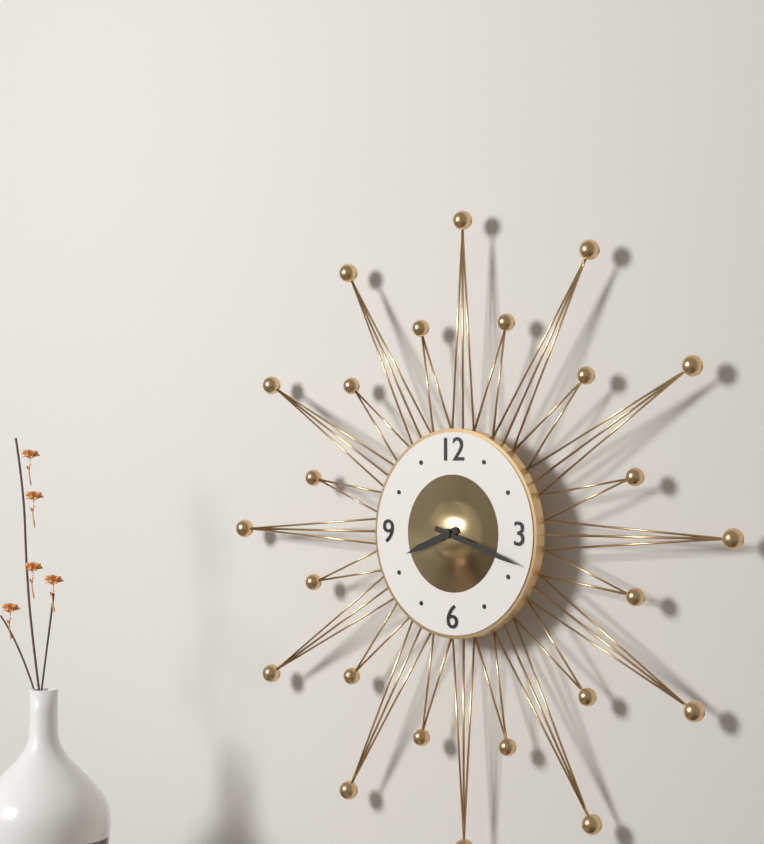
8:18
